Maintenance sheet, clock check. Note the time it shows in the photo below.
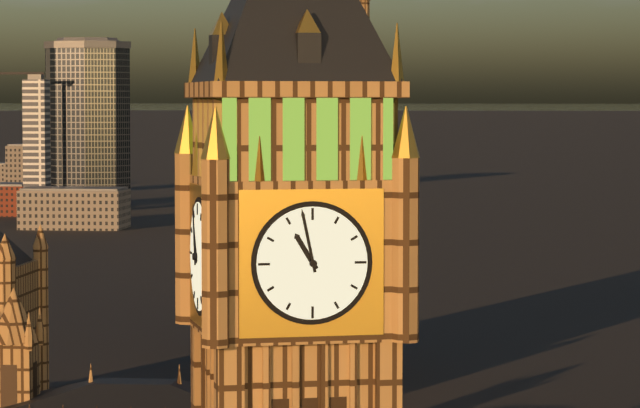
10:58
